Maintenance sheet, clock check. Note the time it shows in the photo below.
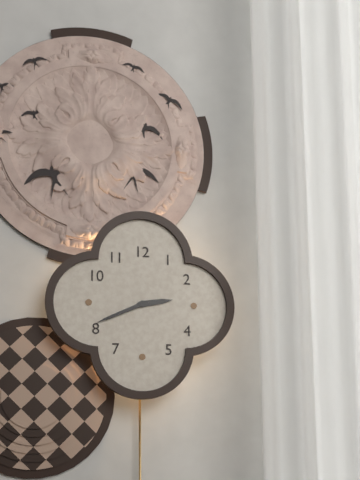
2:41
